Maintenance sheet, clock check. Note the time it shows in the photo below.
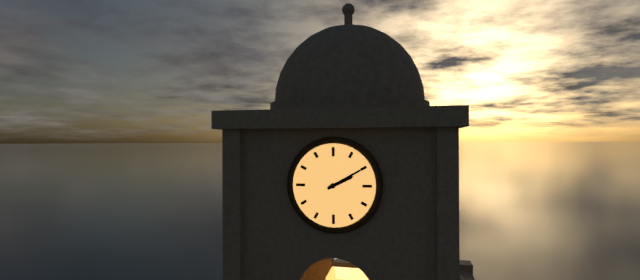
2:10
